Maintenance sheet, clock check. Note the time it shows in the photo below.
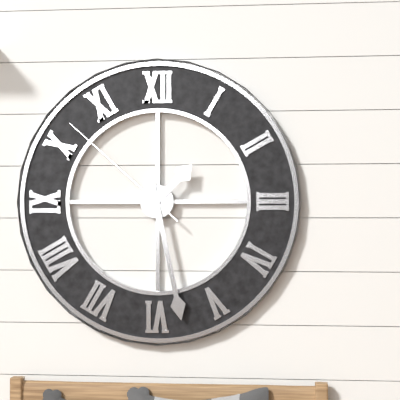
1:28:52
